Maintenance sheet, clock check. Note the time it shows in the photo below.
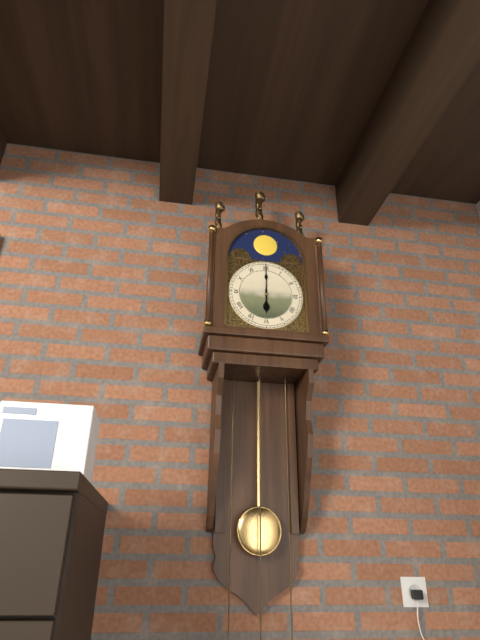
6:00
